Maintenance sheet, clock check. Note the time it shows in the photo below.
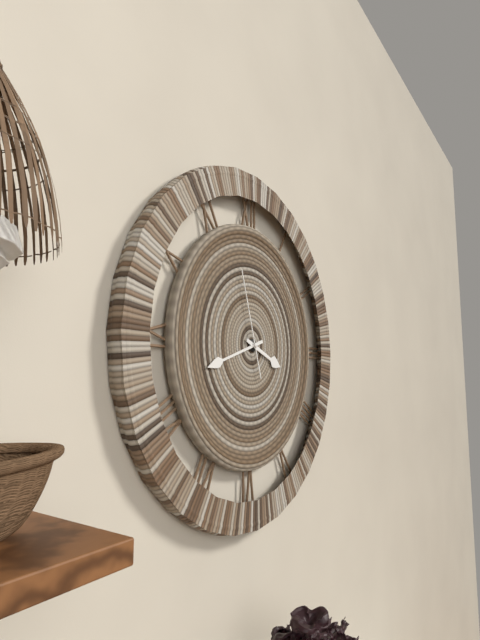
3:42:57
